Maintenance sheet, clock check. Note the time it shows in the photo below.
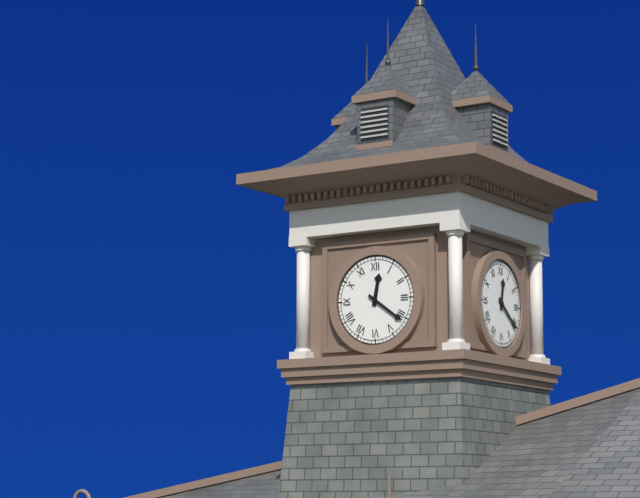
12:21
